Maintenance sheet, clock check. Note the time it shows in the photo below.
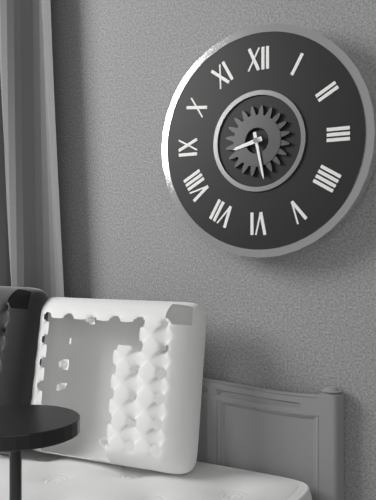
8:28
